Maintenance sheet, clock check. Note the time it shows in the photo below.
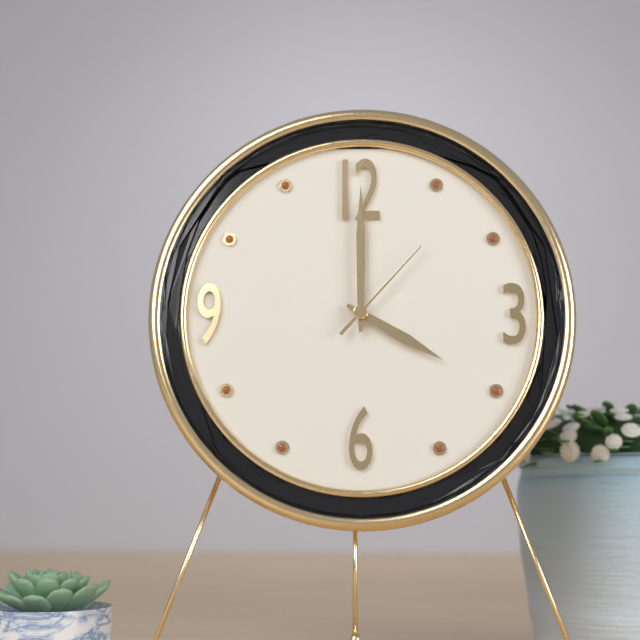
4:00:07
